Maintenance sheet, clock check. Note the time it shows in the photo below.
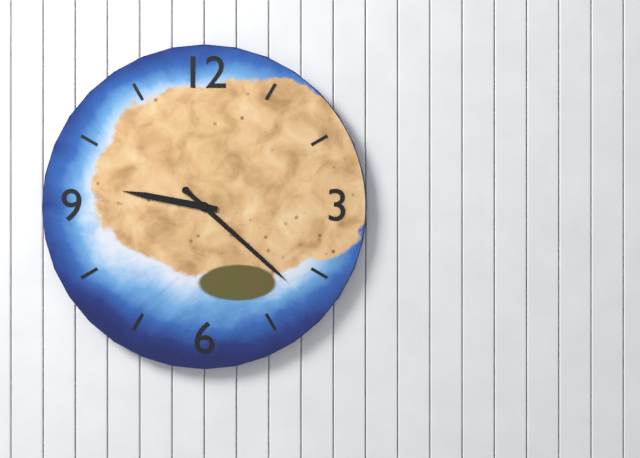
9:22
